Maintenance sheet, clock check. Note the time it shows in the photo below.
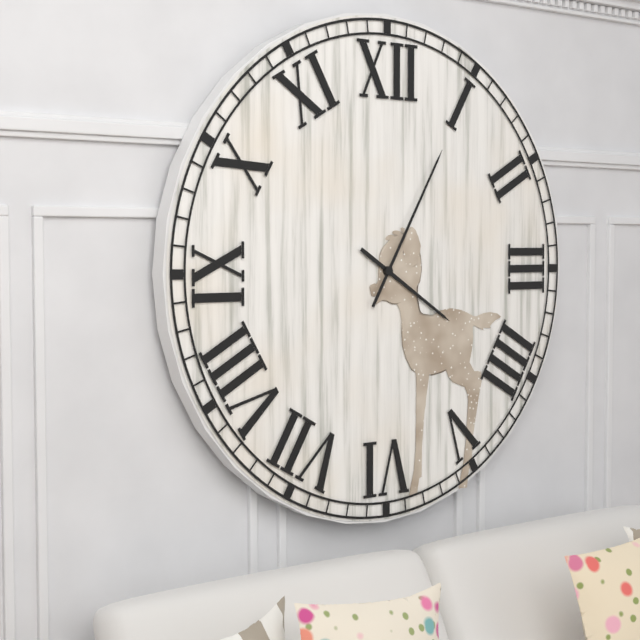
4:05
